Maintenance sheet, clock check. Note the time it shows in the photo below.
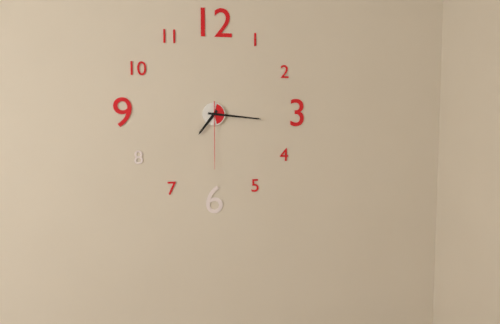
7:16:30
